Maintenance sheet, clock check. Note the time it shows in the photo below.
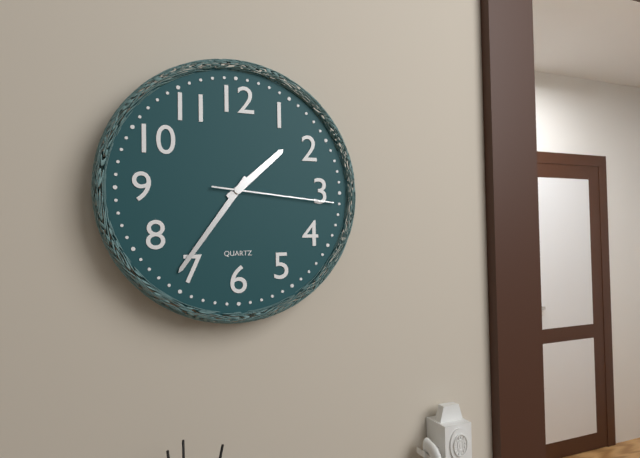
1:36:16
